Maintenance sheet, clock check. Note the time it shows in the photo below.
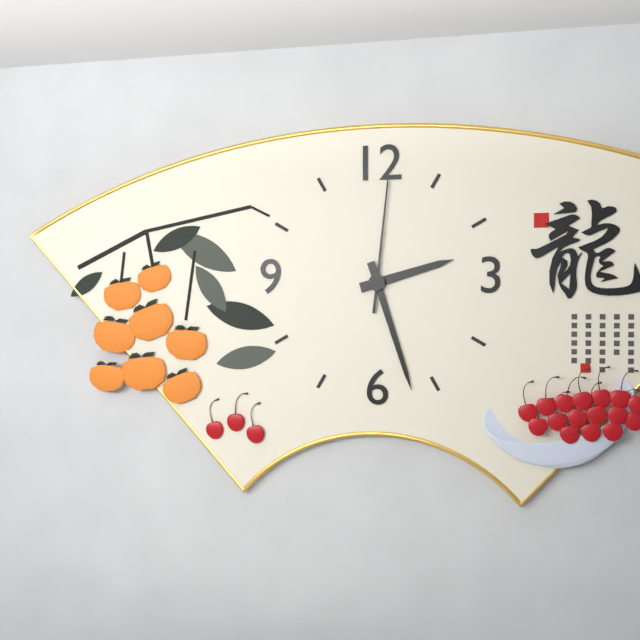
2:27:01
